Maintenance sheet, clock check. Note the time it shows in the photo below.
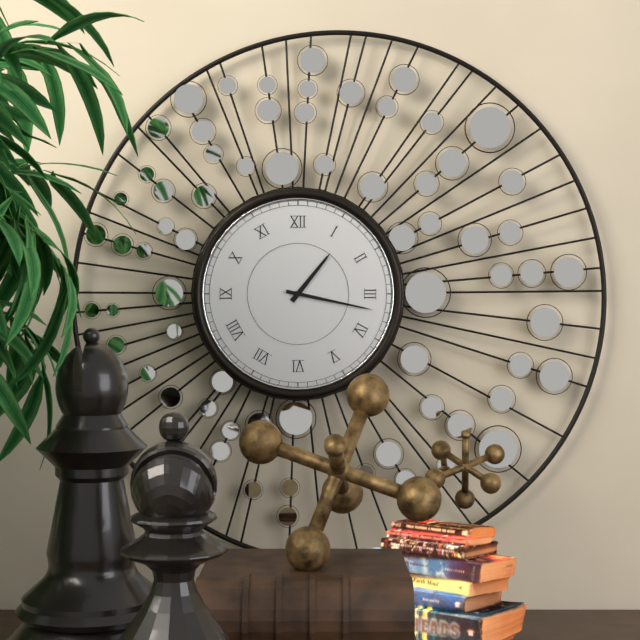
1:17
